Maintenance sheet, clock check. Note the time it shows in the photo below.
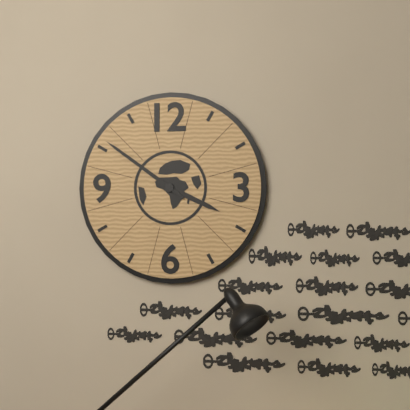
3:51
